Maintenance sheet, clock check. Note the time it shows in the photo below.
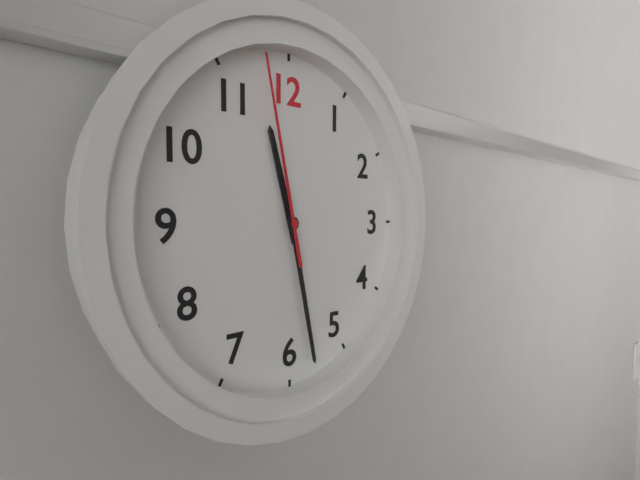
11:28:58
